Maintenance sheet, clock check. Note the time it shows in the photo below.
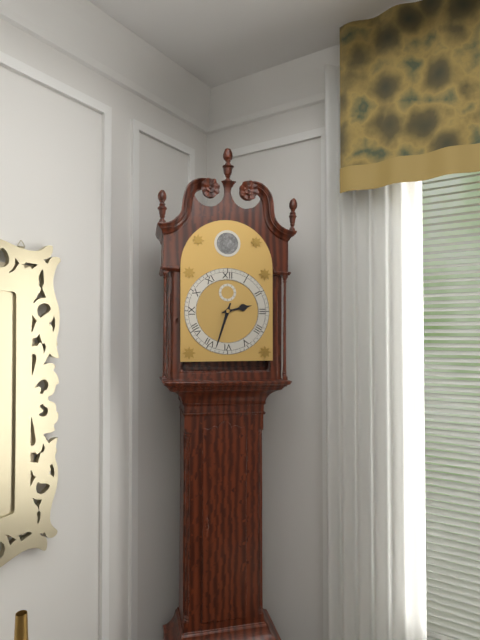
2:33
